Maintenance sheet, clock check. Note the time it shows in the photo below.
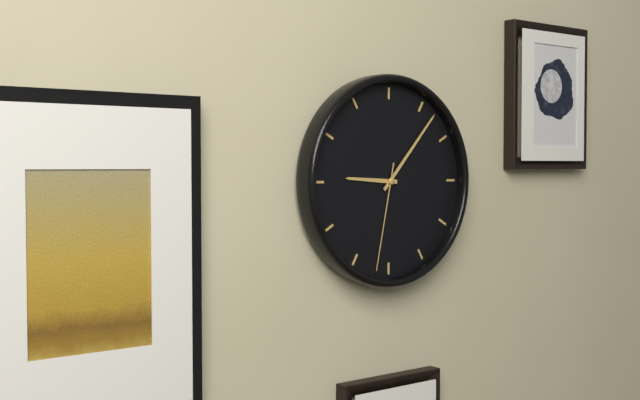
9:07:32
